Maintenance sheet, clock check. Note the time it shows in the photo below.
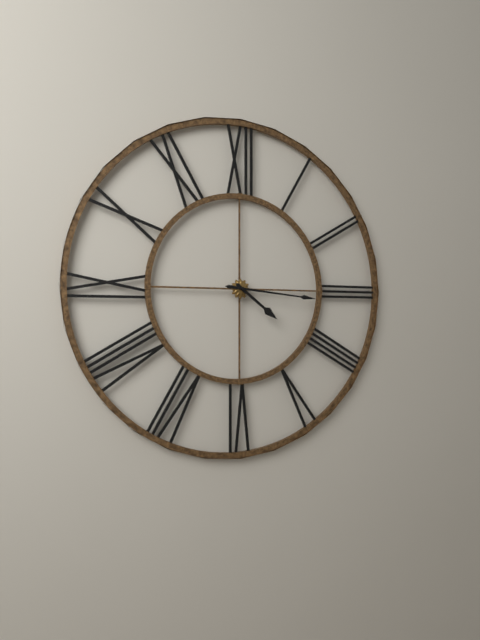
4:16
